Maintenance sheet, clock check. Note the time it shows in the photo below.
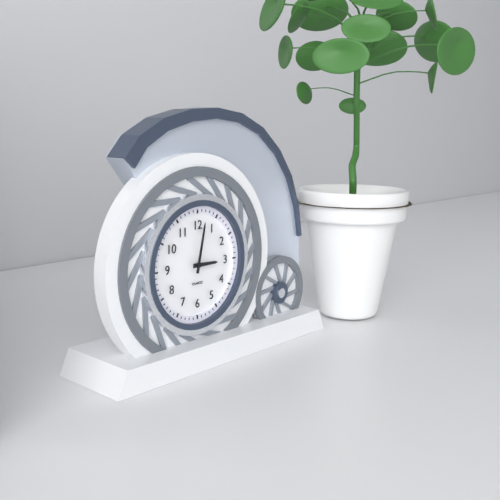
3:02
